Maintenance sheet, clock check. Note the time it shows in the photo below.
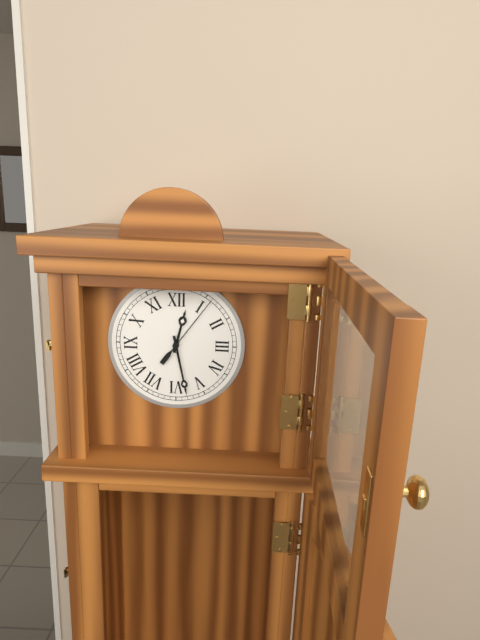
12:28:06
